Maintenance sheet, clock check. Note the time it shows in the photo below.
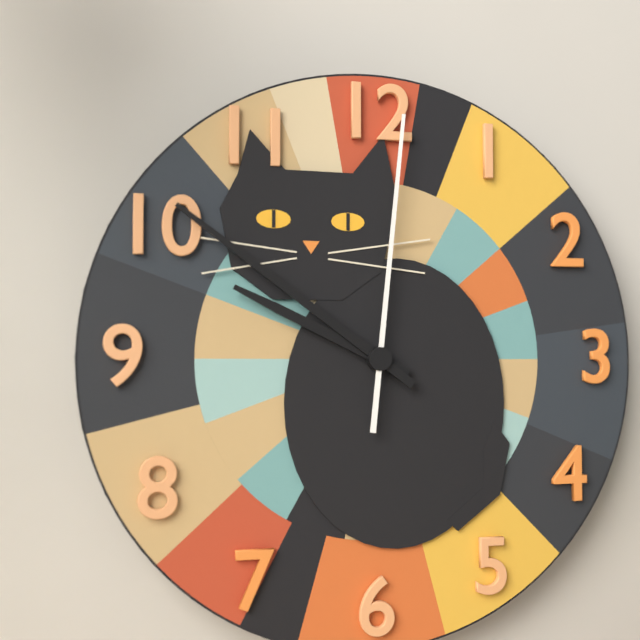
9:51:01
